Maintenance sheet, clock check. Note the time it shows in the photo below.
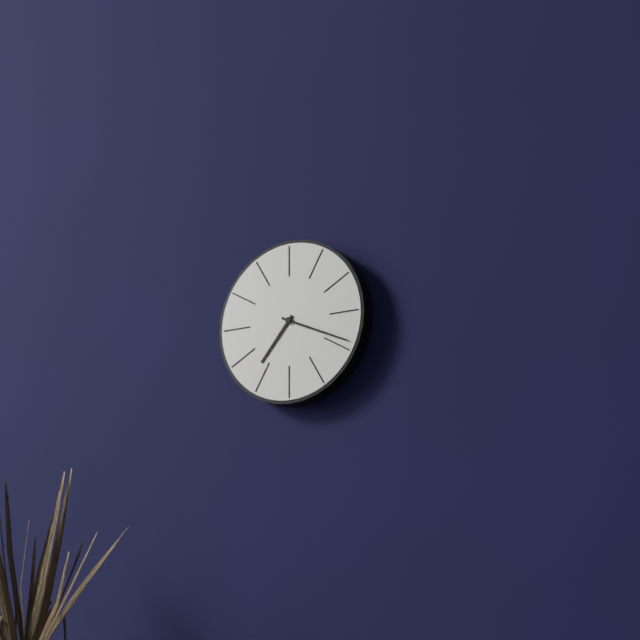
7:19
